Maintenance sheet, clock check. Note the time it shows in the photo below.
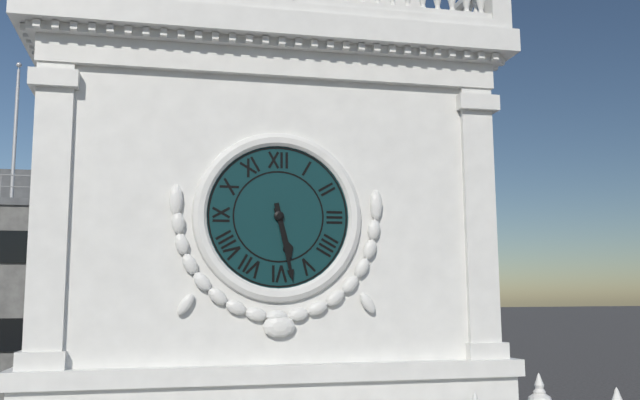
5:28
